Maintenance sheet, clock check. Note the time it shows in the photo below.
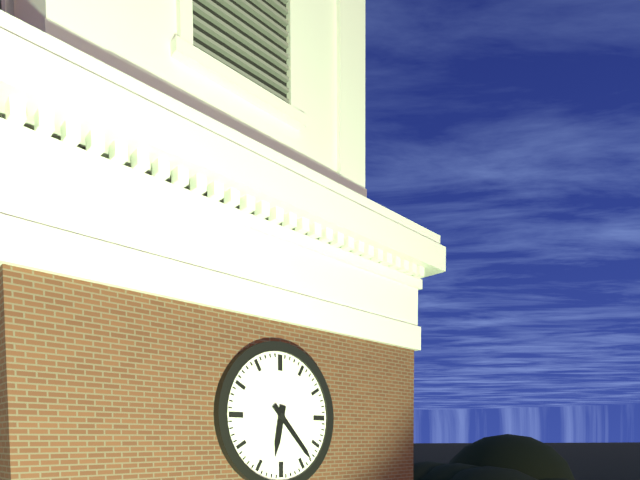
6:23
